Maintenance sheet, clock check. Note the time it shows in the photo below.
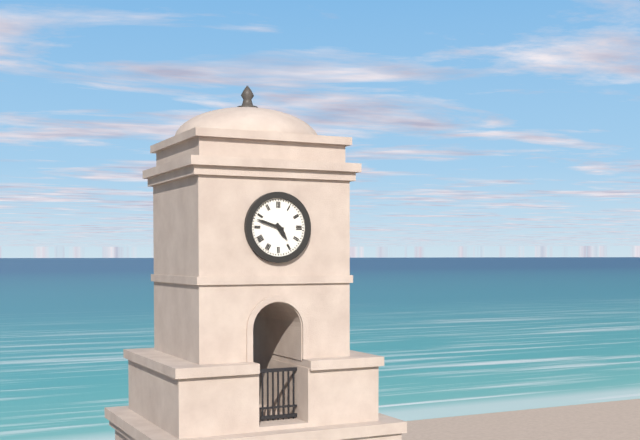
4:48
